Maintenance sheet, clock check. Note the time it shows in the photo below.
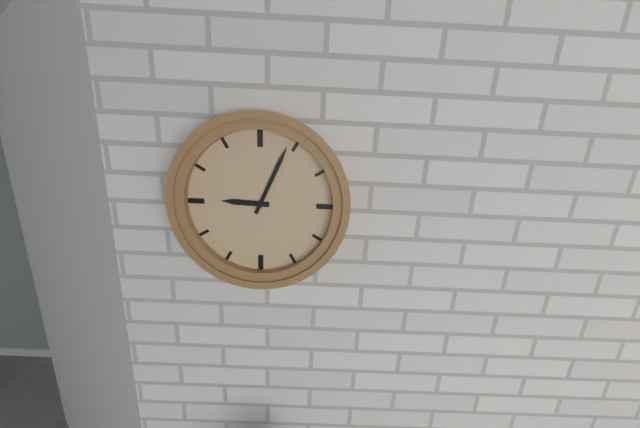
9:04
